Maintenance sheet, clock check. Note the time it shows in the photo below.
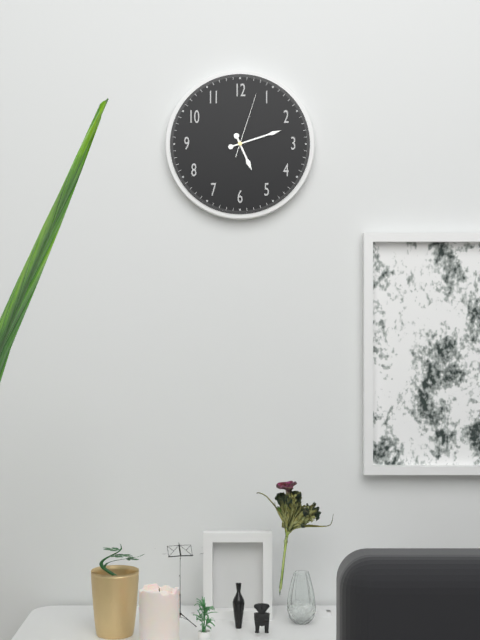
5:12:03
